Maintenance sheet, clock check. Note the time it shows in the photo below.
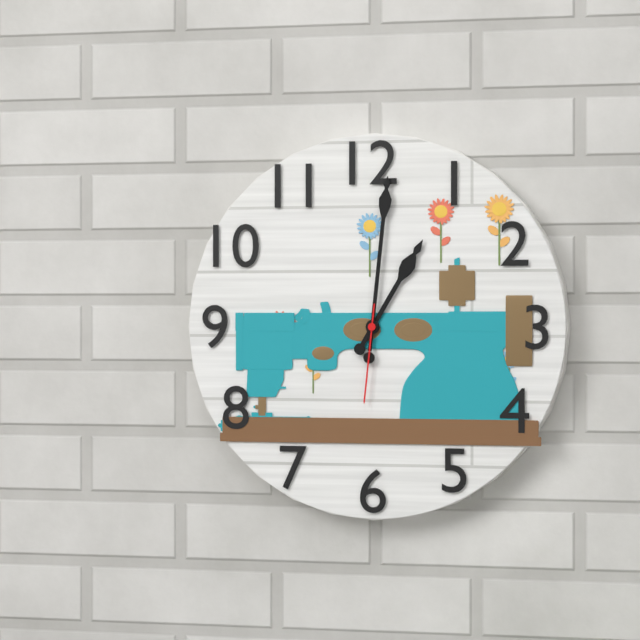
1:01:31
